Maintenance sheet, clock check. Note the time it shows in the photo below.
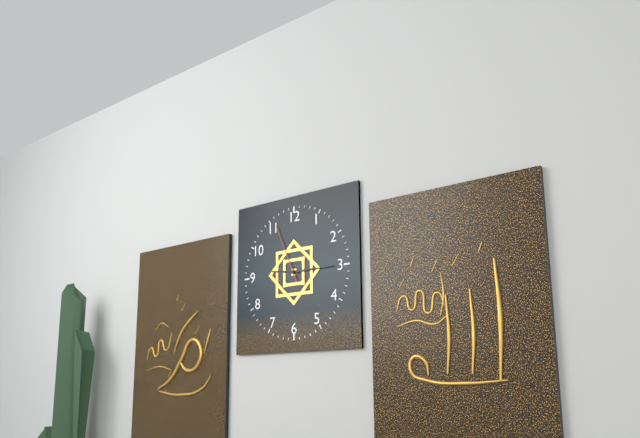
9:15:56
